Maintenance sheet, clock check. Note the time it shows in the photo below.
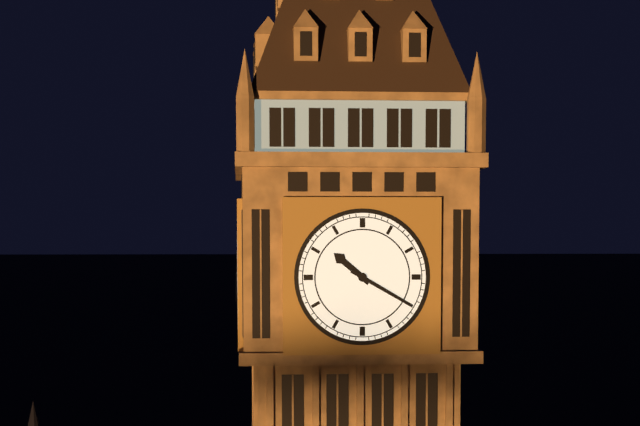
10:20
